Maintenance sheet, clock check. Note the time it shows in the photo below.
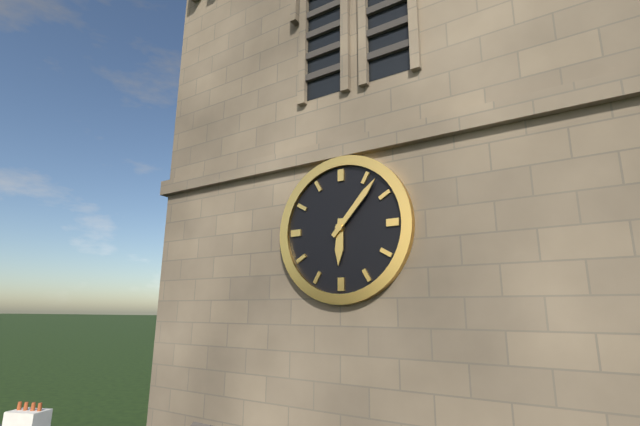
6:07
